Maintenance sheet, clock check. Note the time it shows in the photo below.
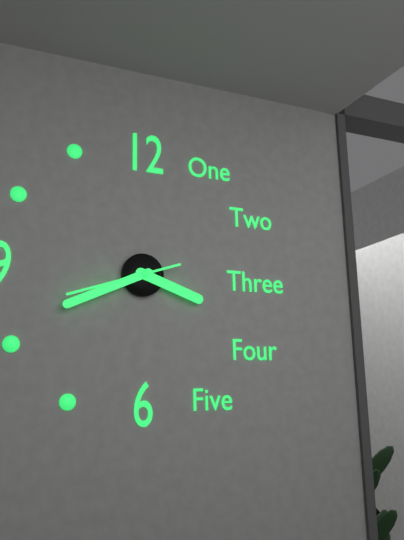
3:41:42
